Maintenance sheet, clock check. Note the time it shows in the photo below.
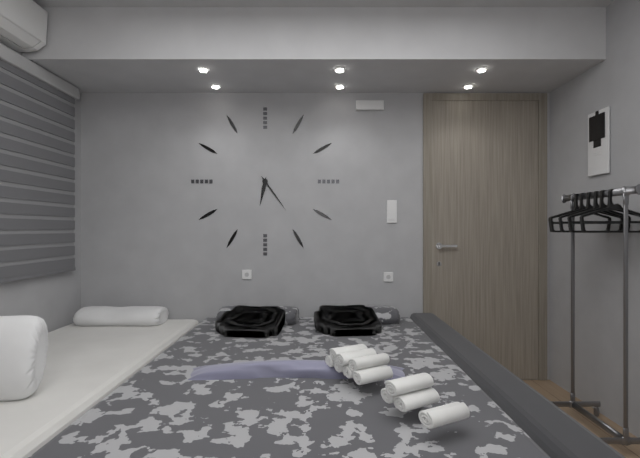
6:24
